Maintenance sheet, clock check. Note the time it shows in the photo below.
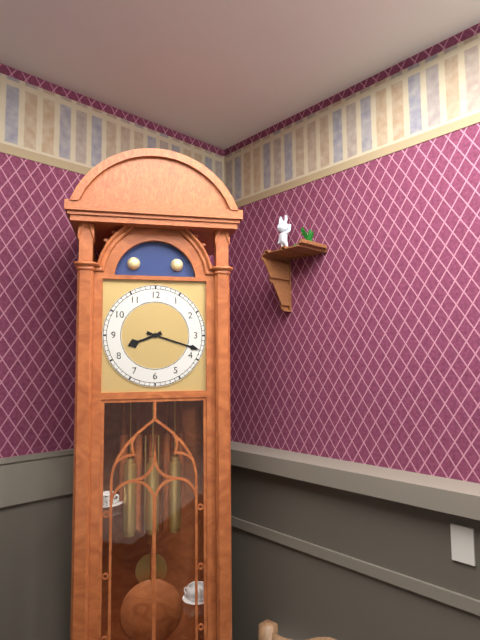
8:18
